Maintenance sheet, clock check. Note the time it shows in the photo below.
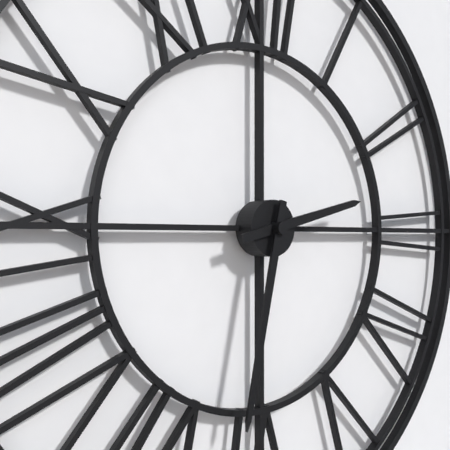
2:32
